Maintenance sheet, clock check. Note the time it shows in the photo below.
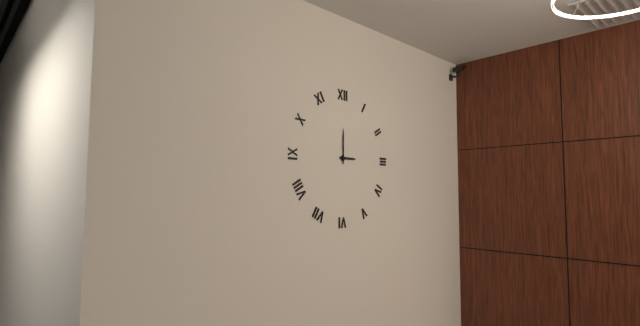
3:00
